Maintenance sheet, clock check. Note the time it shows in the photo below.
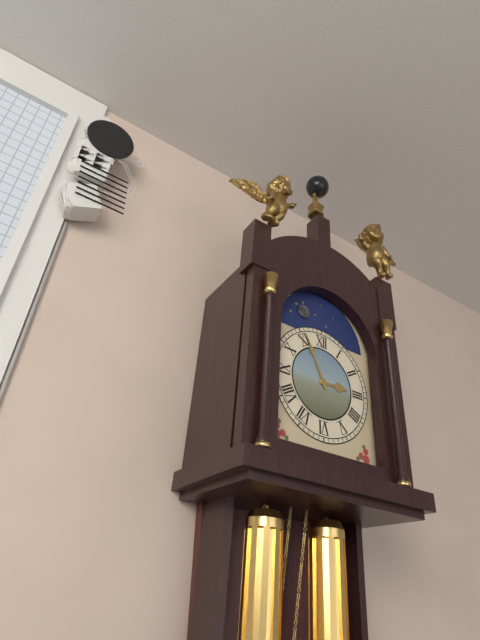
2:56
